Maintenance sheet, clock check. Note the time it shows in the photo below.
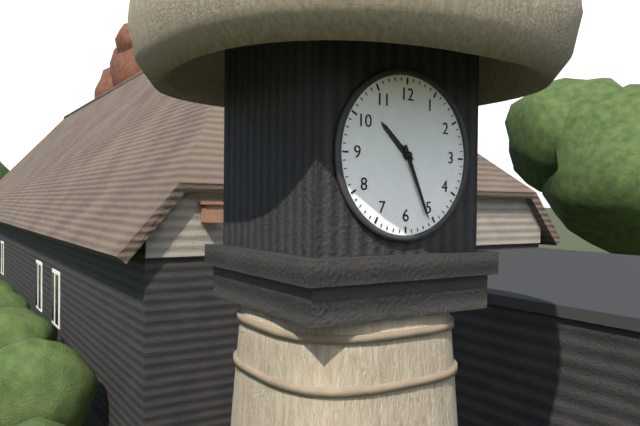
10:26
